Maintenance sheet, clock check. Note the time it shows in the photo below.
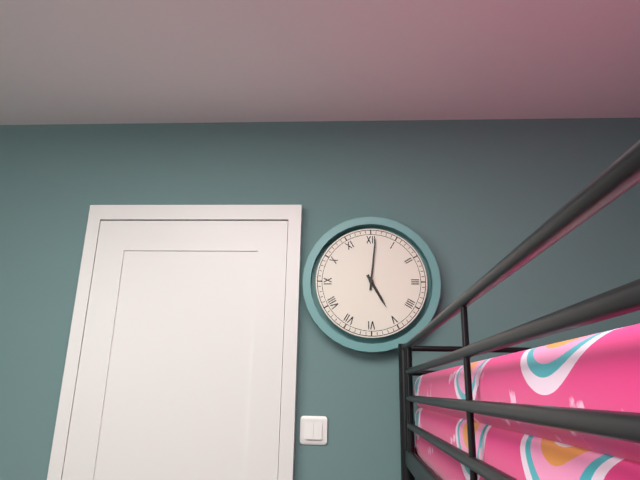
5:01
